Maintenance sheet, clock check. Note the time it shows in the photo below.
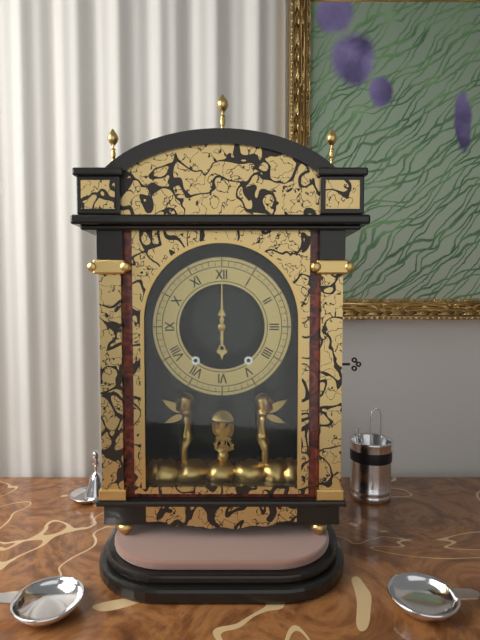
6:00
